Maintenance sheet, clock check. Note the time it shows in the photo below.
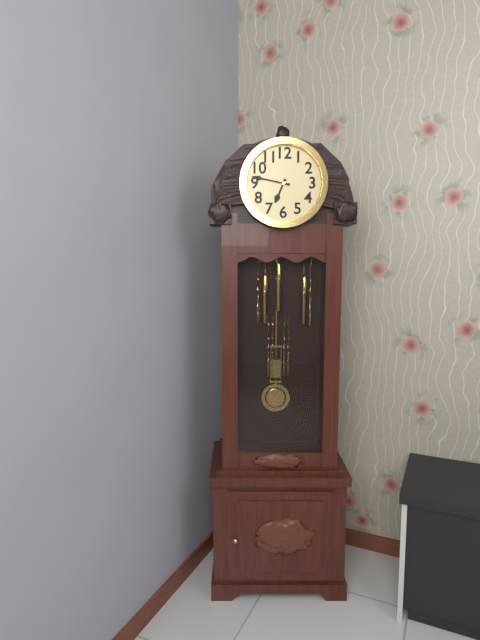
6:47
